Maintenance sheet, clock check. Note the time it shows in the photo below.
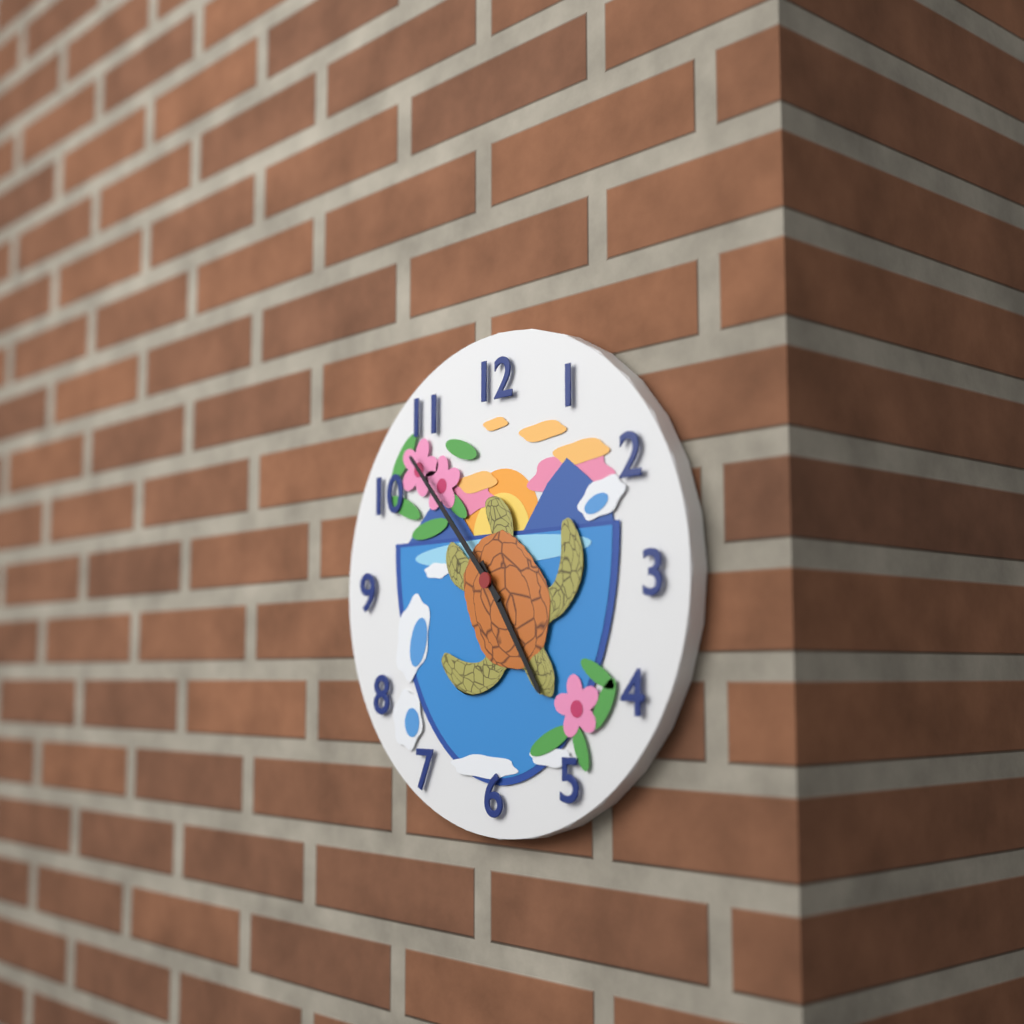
4:53
